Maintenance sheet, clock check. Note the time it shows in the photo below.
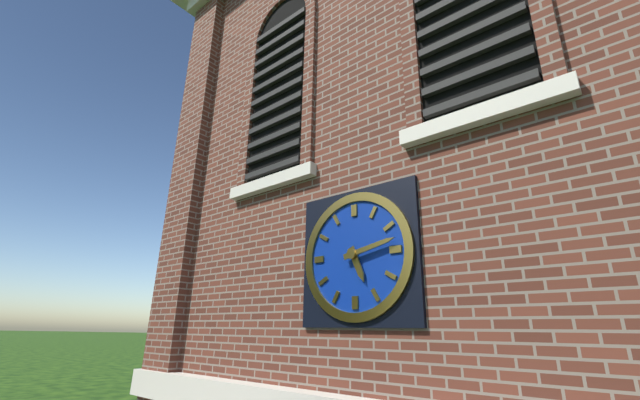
5:13
